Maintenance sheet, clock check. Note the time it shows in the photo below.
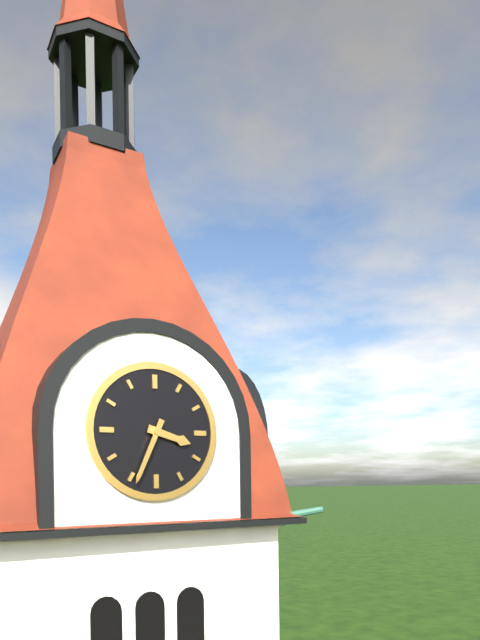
3:34
